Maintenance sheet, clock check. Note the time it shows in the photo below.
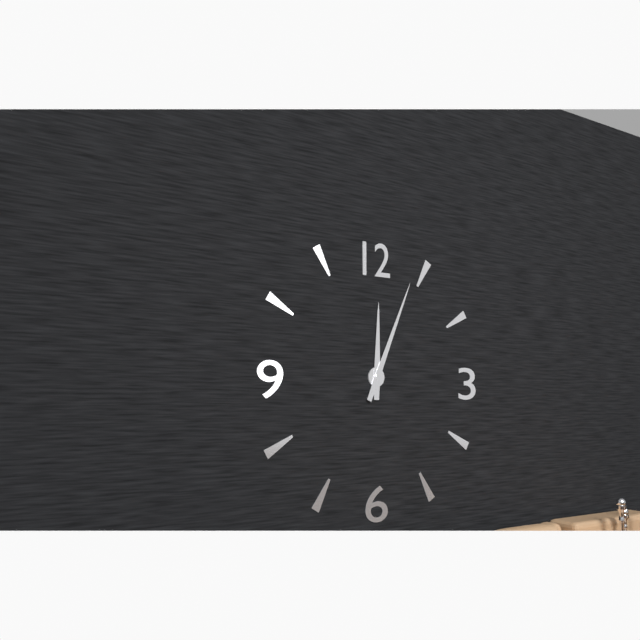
12:04
